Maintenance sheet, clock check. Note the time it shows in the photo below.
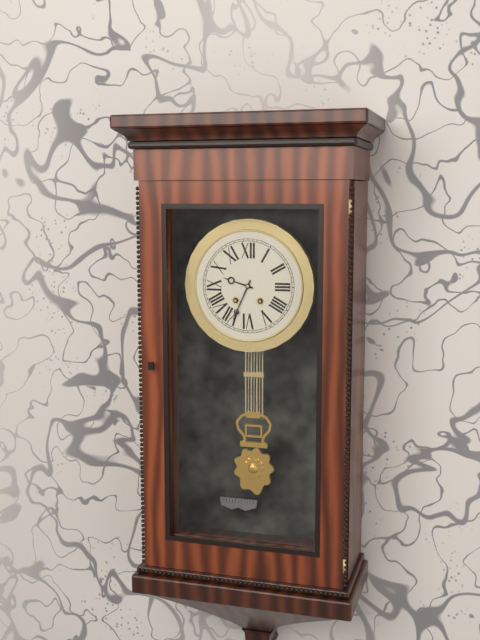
9:34
